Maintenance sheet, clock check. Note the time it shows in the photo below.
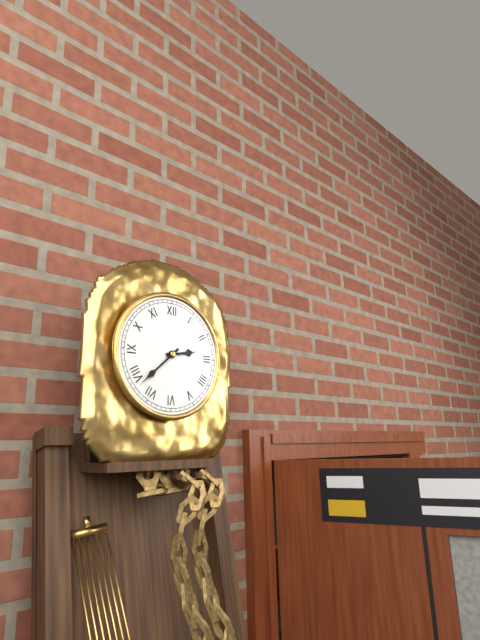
2:38
